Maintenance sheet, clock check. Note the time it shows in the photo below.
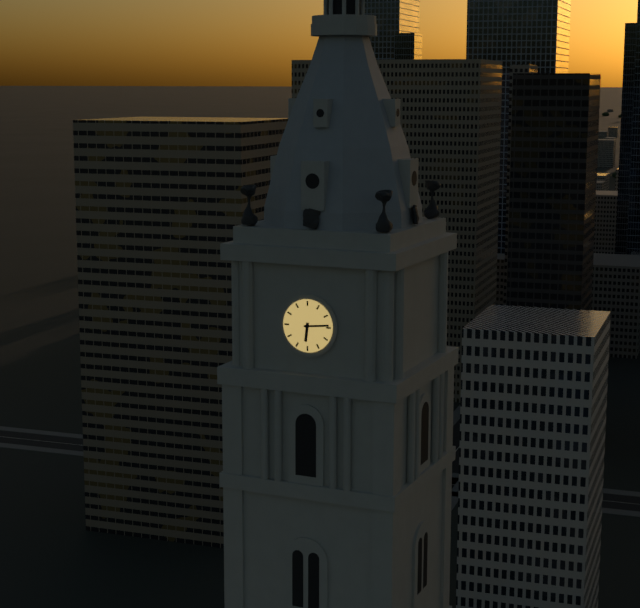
6:14
